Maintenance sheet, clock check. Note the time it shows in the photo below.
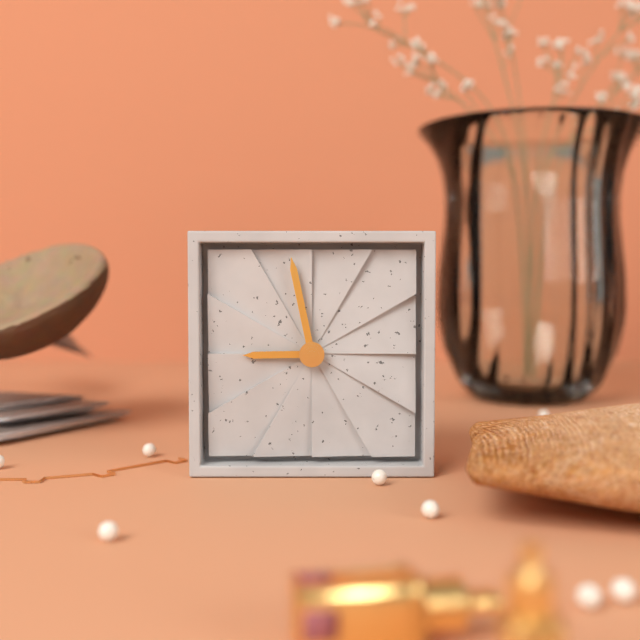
8:58
